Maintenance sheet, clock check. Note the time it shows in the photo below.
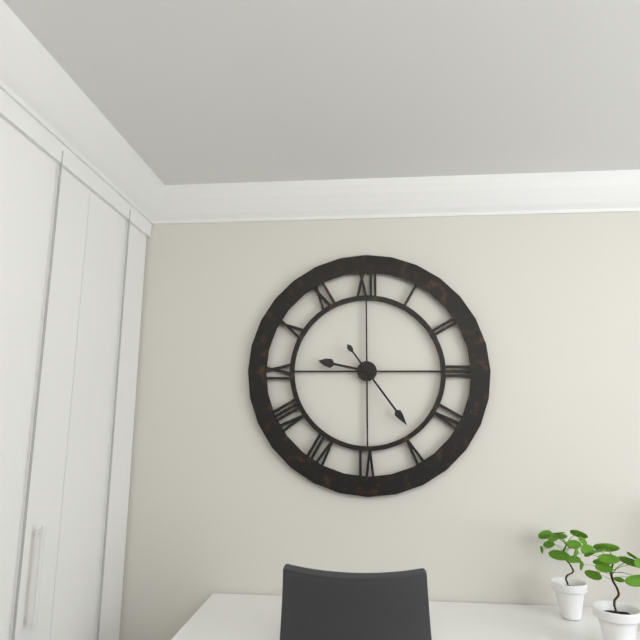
9:24
